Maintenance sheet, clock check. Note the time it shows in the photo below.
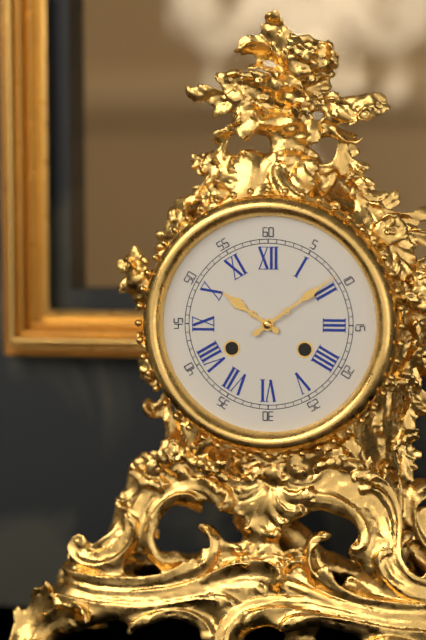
10:09
